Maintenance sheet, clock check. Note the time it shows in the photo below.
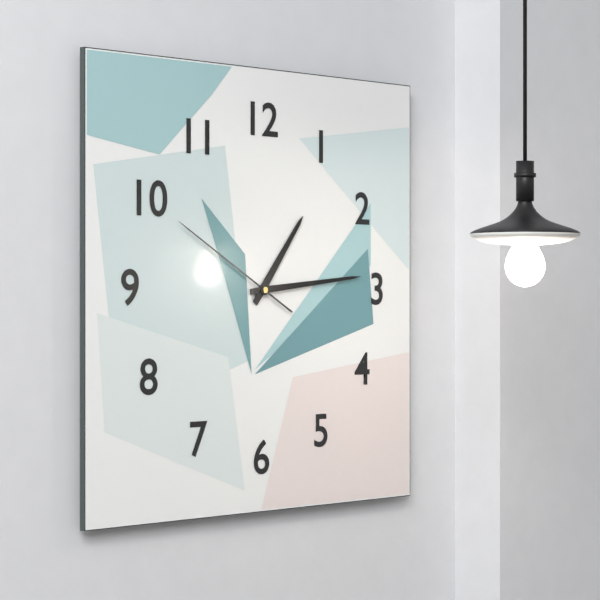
1:14:50
